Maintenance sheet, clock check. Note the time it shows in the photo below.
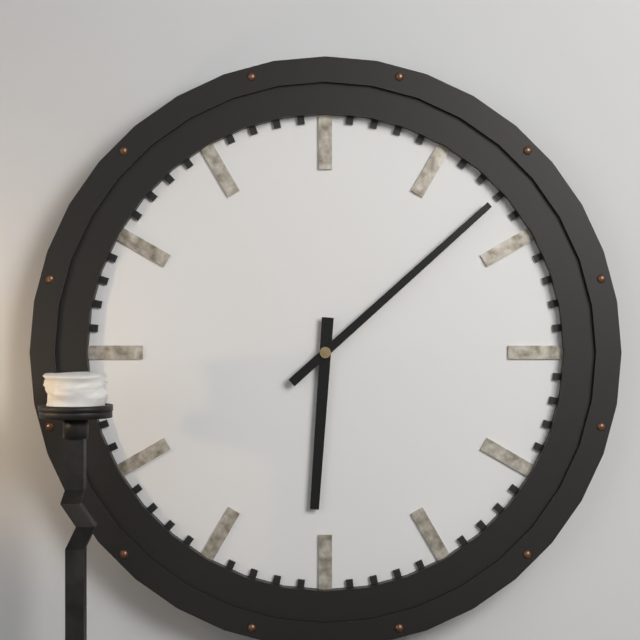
6:08
